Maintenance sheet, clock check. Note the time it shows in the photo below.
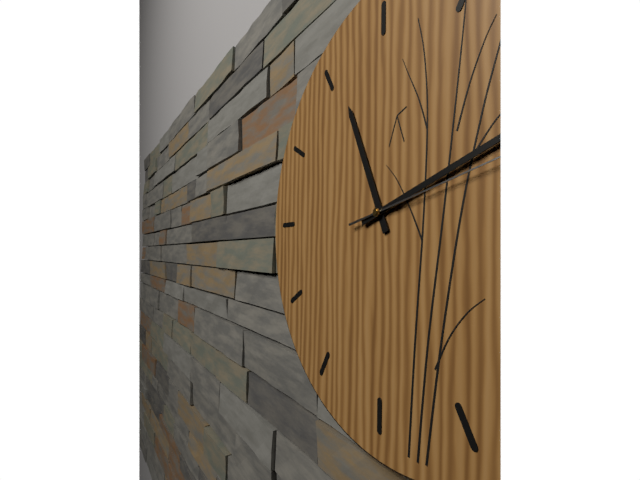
11:12:13
